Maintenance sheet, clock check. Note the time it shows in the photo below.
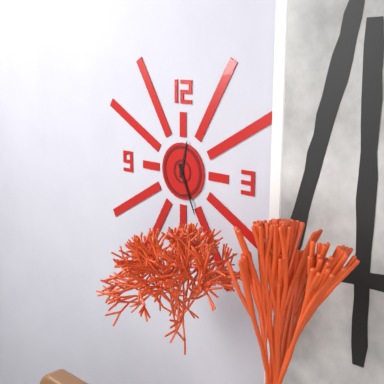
12:26
